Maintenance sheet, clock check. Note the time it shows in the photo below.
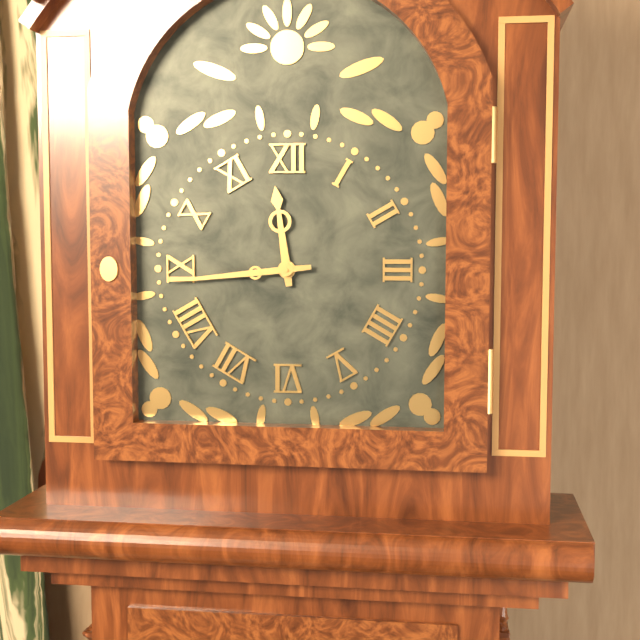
11:44
